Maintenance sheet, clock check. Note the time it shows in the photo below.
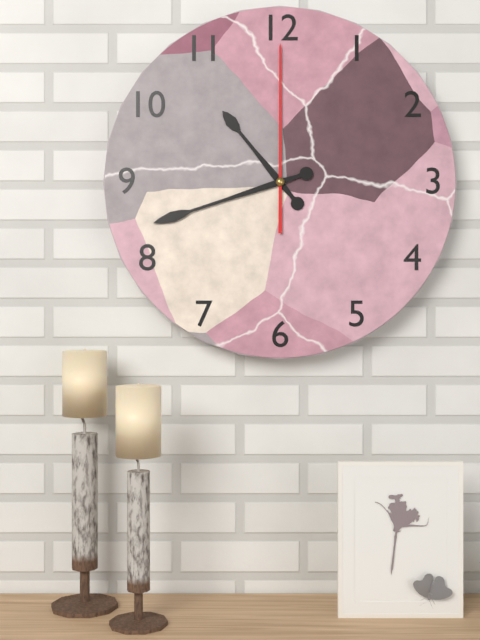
10:42:00
